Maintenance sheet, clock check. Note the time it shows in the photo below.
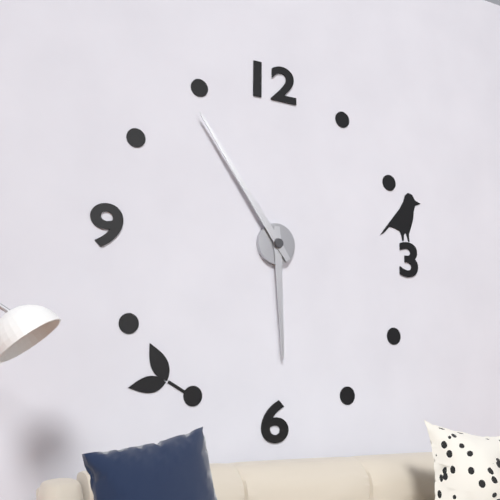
5:54
